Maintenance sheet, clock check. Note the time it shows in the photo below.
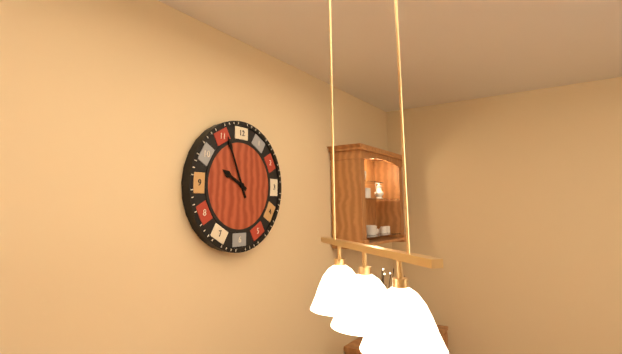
9:56
